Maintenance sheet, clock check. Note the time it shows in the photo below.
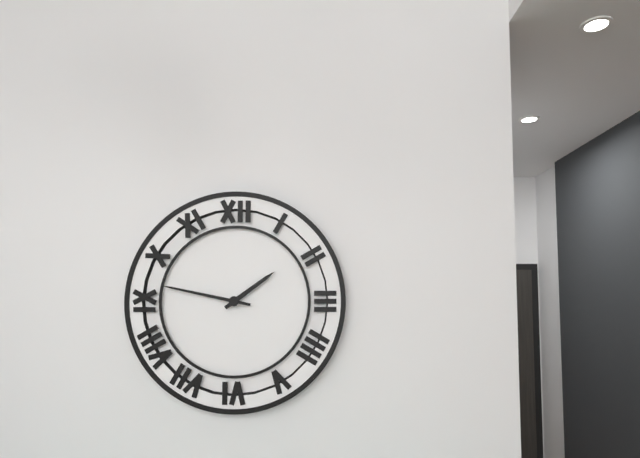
1:47
